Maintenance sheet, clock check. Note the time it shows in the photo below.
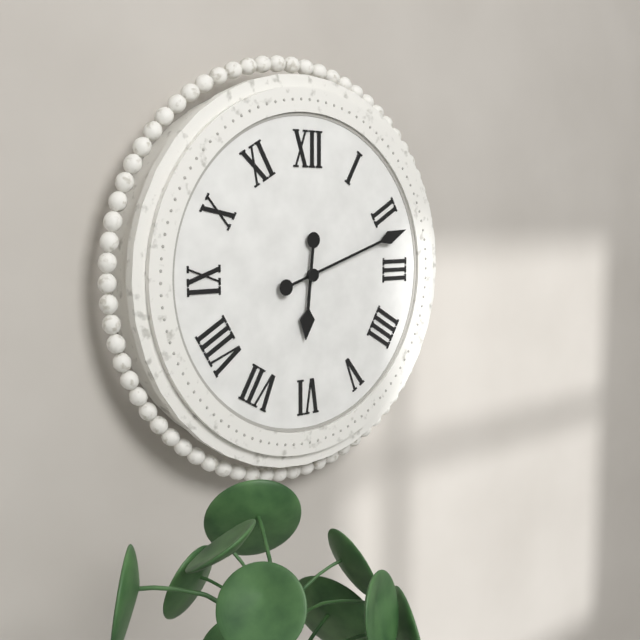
6:12
